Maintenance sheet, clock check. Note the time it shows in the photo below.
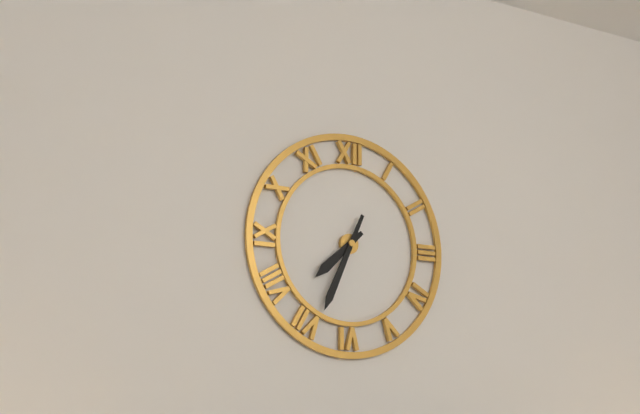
7:34
